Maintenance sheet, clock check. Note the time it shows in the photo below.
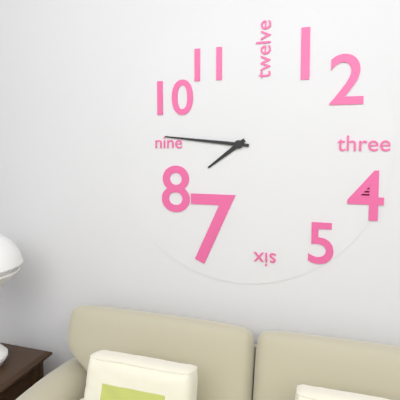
7:46
